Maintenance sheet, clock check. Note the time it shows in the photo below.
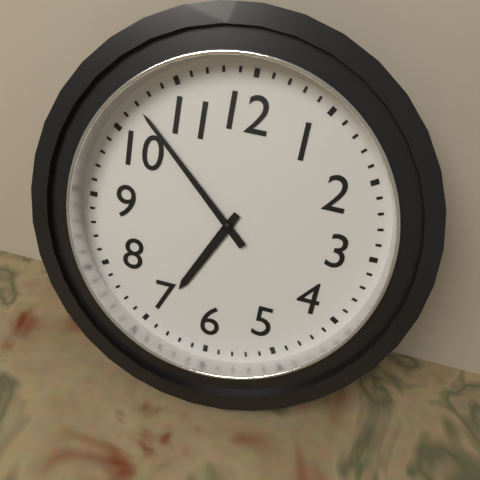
6:52
